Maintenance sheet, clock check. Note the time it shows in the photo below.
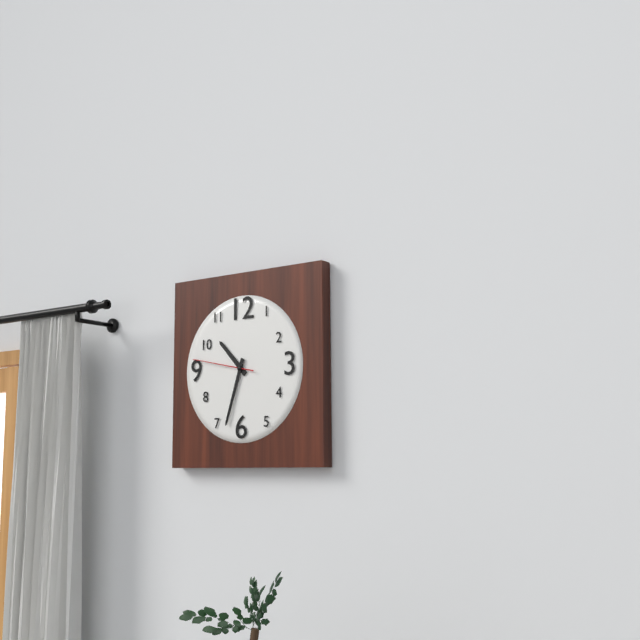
10:33:47
